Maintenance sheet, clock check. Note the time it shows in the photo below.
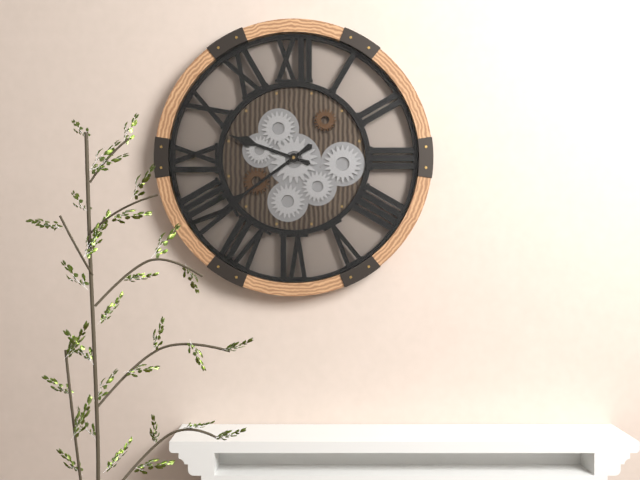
9:39
